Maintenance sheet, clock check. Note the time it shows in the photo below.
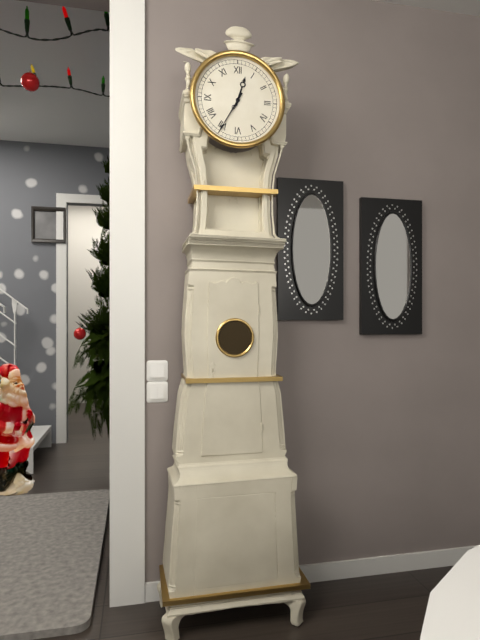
12:35
